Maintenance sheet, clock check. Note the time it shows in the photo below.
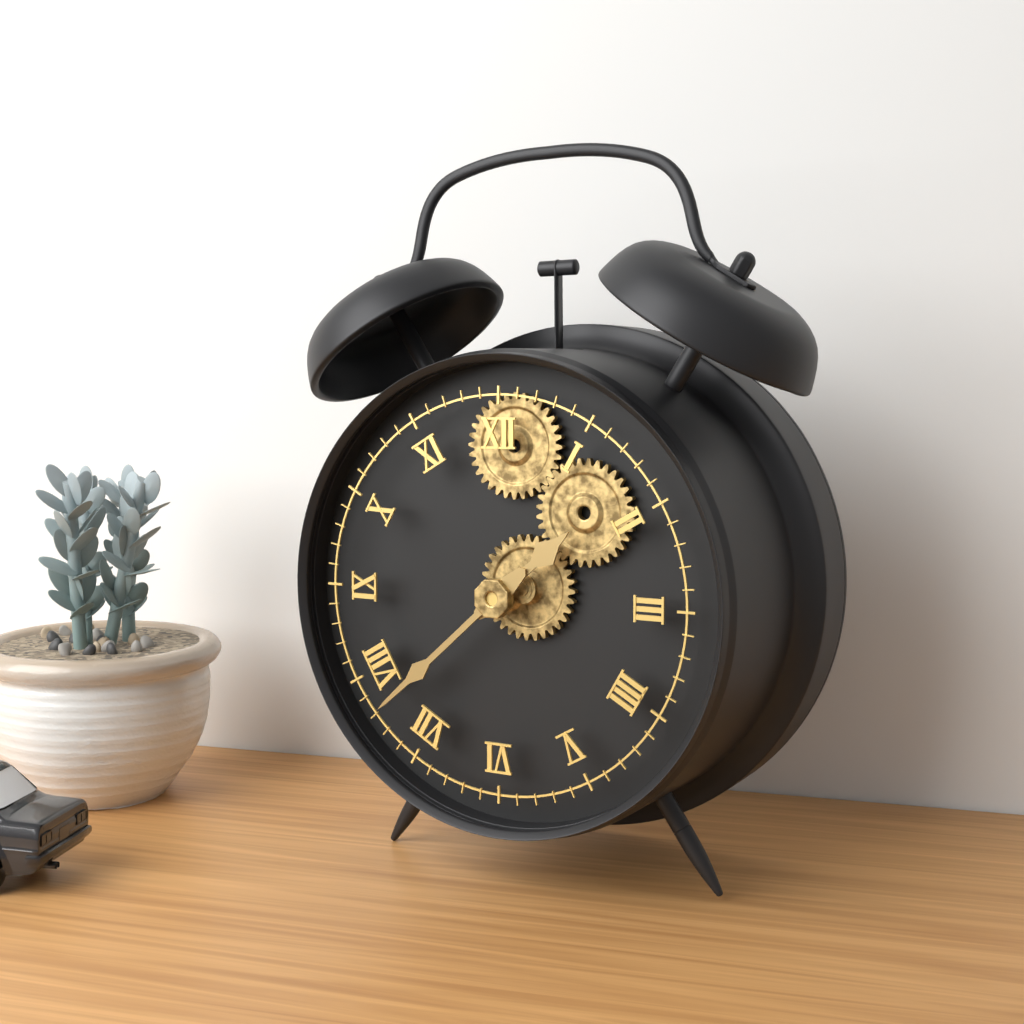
1:38
